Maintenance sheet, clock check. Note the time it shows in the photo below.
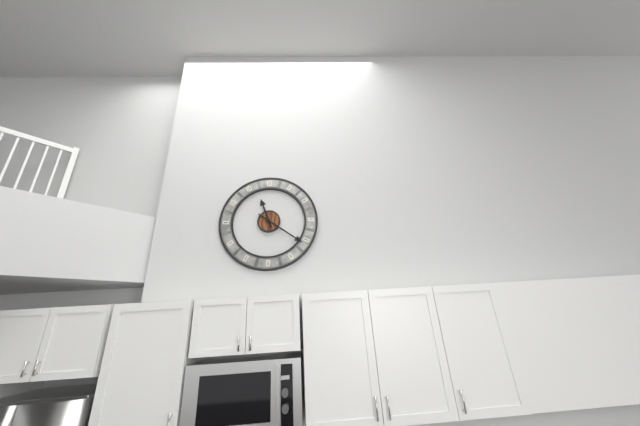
11:21
